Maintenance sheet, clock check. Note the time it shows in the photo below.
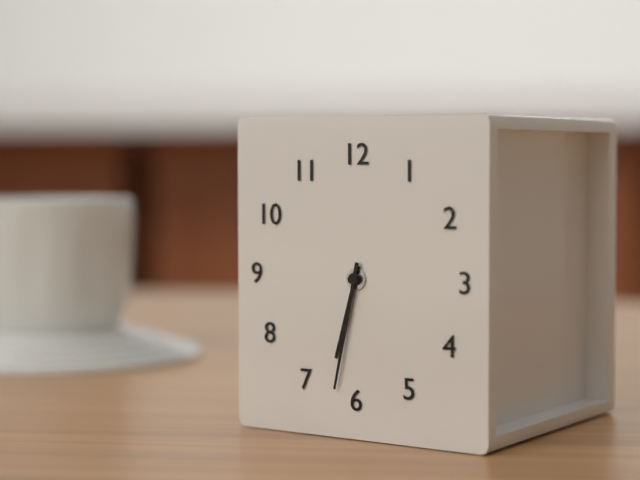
6:32
